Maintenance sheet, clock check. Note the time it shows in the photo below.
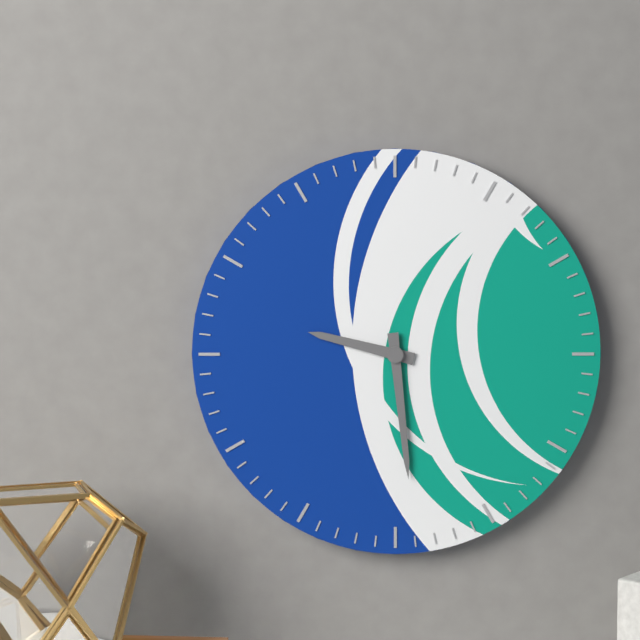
9:29
